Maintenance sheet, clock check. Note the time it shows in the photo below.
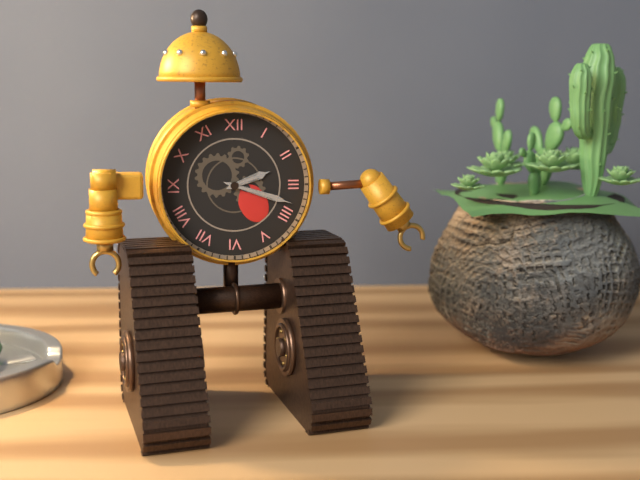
2:18
